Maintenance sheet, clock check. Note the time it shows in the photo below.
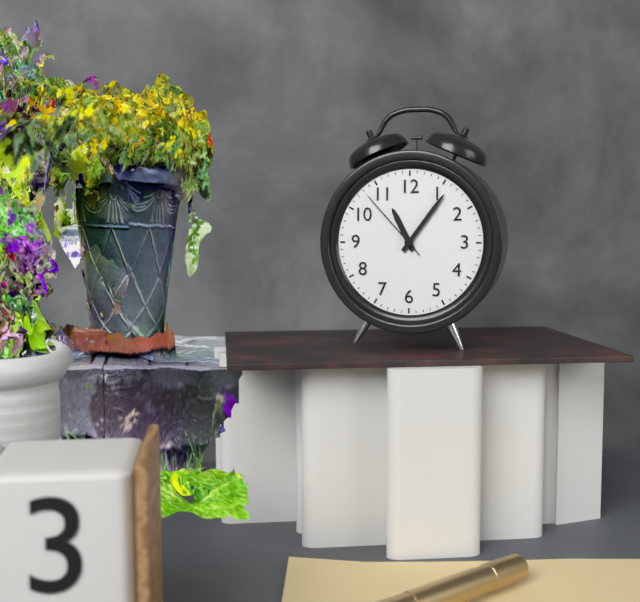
11:06:53
